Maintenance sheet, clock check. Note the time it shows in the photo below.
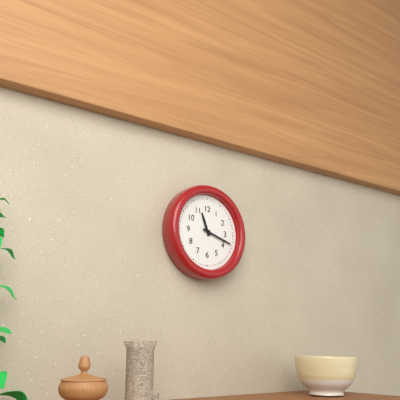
11:18
